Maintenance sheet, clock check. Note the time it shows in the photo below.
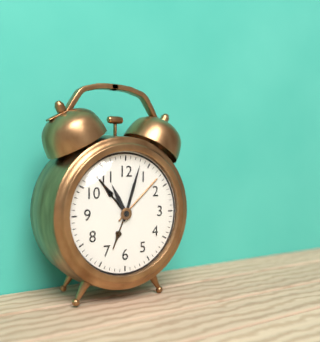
11:03
